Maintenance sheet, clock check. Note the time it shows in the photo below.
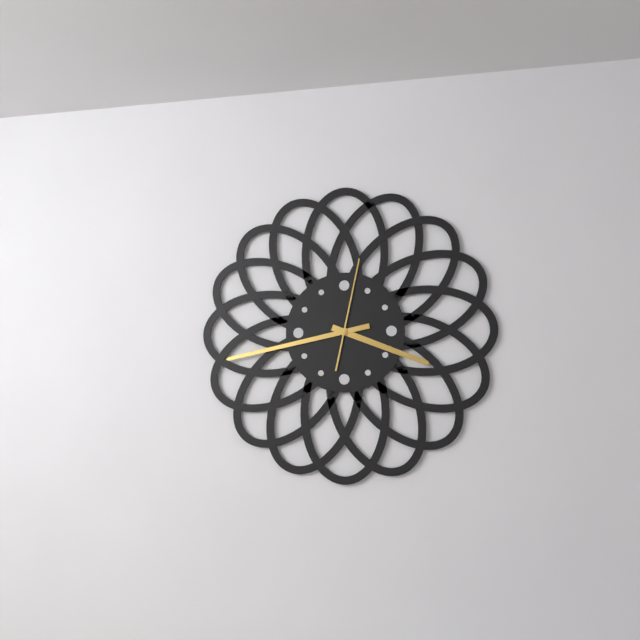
3:43:02
